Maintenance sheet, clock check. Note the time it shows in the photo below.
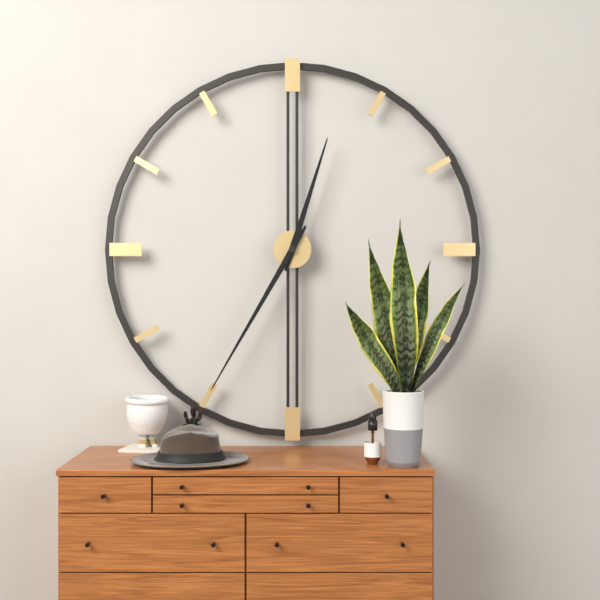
12:35
